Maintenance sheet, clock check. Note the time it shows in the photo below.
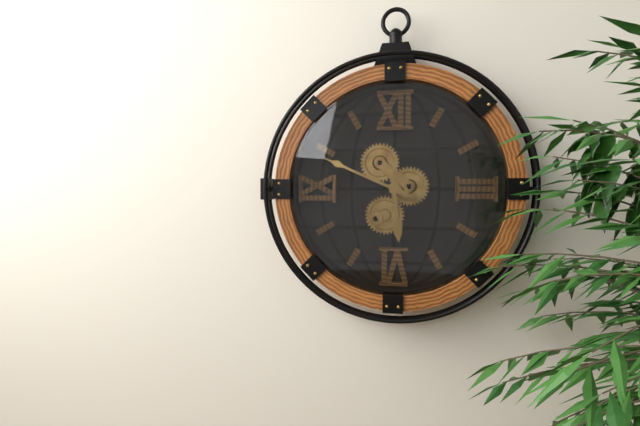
5:49
